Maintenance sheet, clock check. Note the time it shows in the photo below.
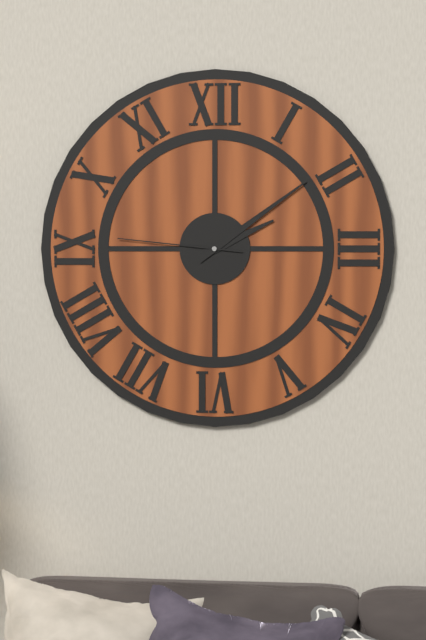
2:09:46
